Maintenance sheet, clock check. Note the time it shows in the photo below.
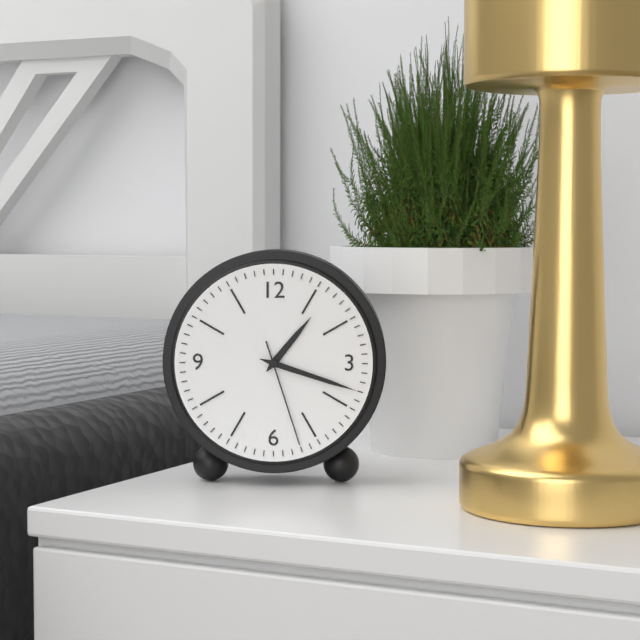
1:18:27
